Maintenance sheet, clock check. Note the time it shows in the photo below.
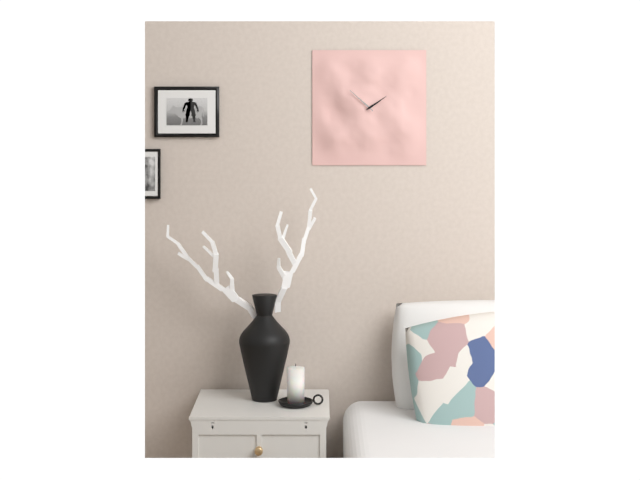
1:52
